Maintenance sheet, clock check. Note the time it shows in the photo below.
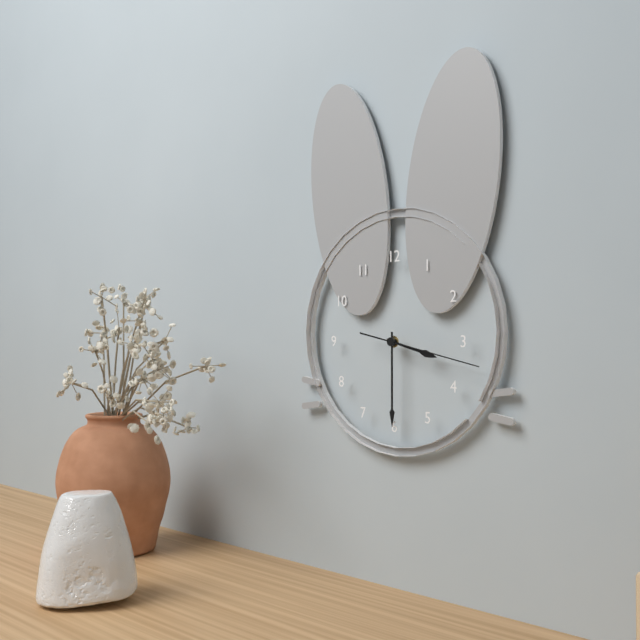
3:30:17
